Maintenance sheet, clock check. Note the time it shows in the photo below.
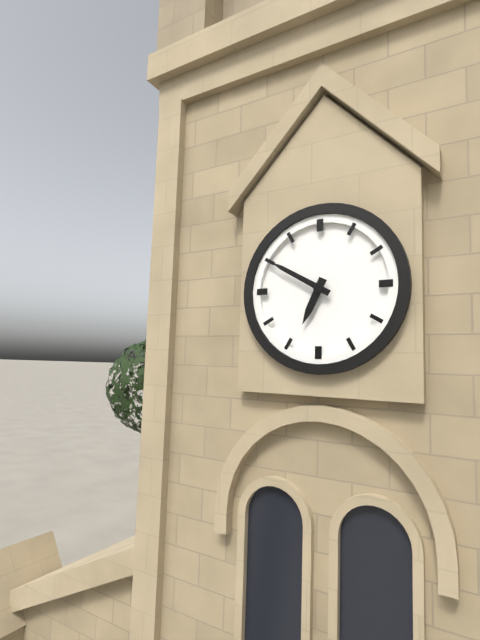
6:50
